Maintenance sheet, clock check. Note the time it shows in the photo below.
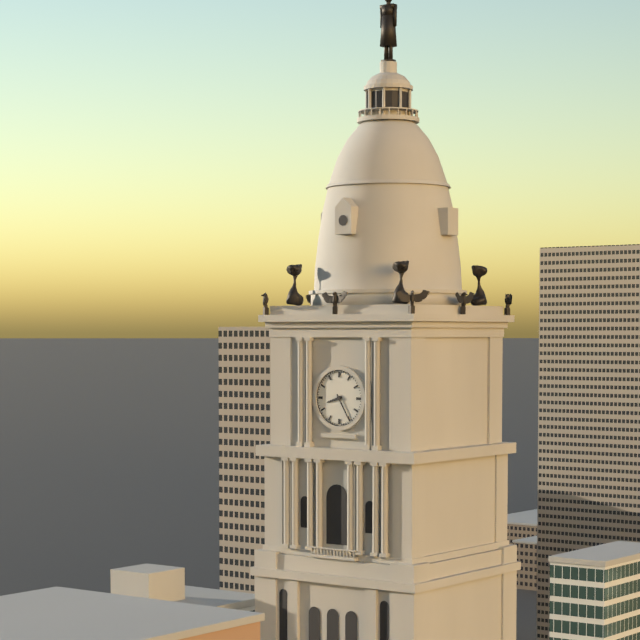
8:25
